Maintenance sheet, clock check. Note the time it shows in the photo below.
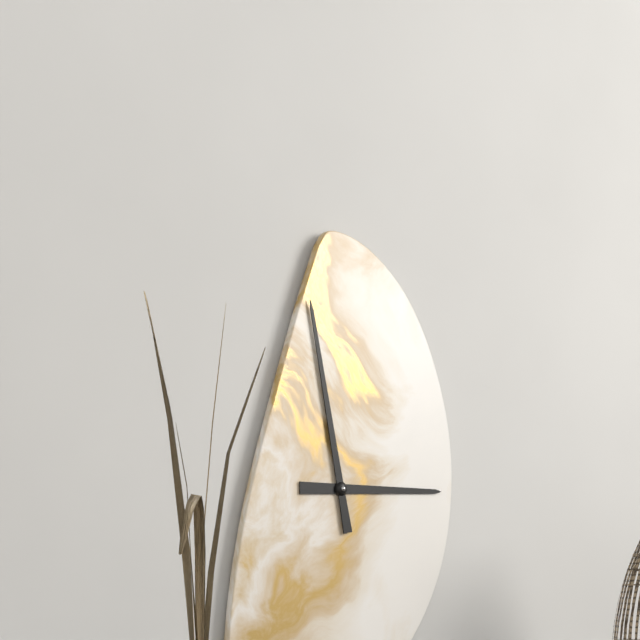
2:58
